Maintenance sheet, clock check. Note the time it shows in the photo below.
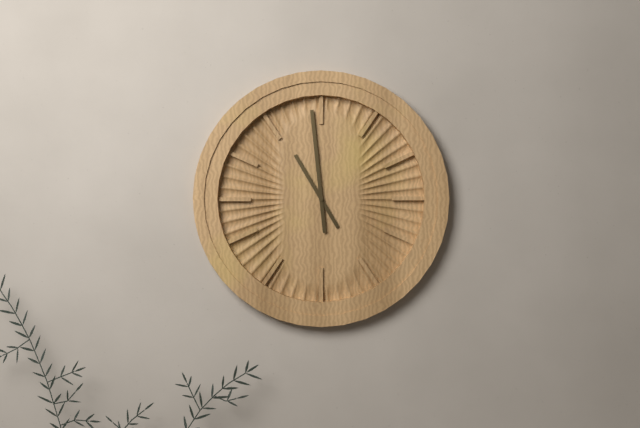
10:59
